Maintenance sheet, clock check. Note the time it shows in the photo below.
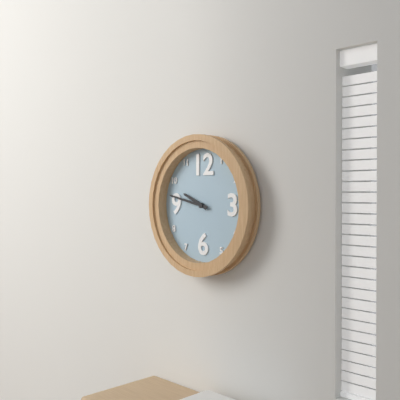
9:47
